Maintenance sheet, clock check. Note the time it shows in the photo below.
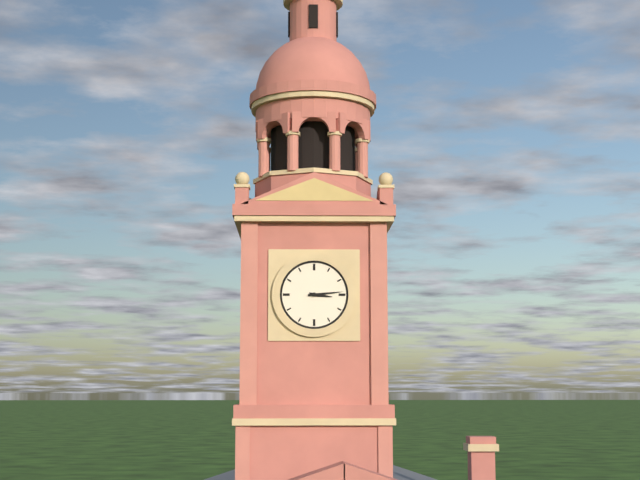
3:14
